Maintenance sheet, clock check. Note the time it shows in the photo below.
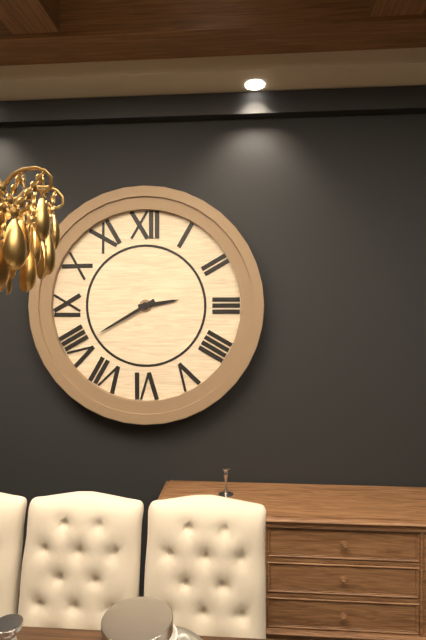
2:40
